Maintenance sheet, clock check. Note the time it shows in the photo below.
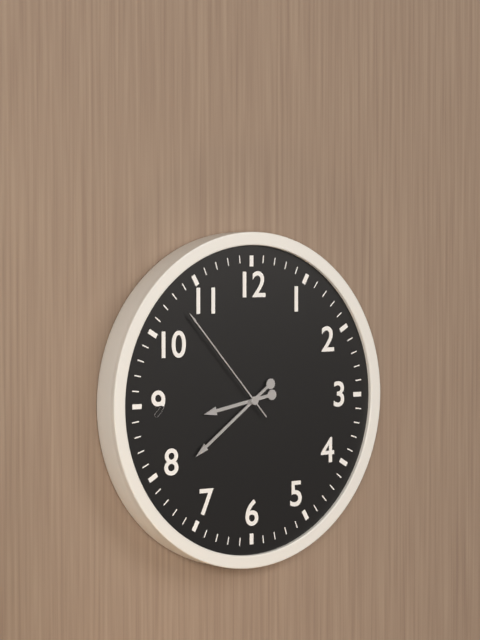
8:39:53
